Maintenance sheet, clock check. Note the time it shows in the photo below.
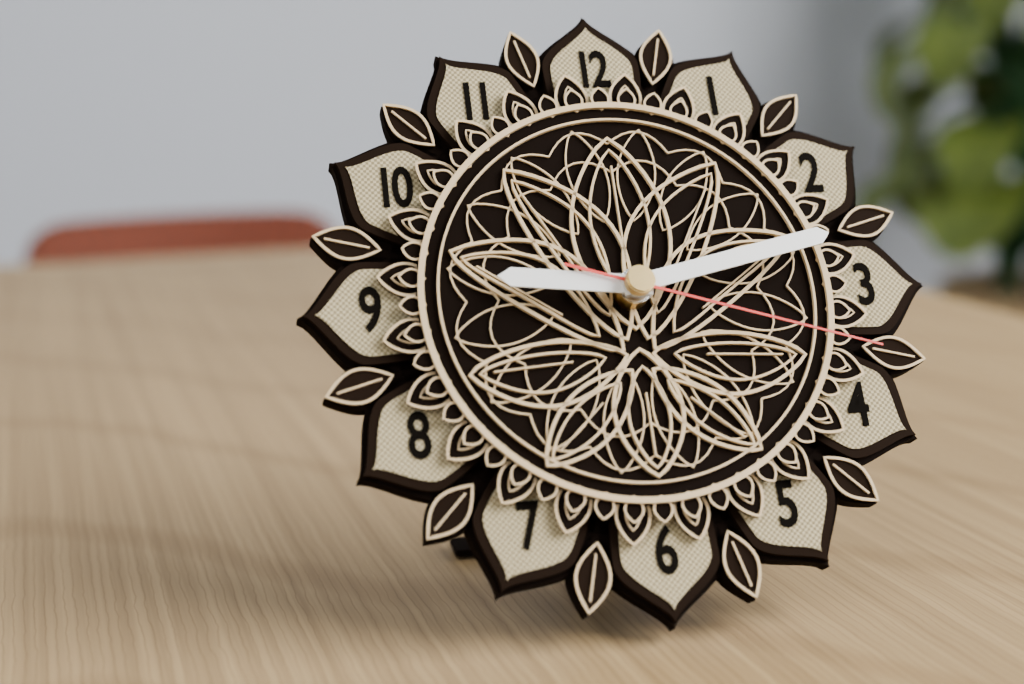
9:13:18
